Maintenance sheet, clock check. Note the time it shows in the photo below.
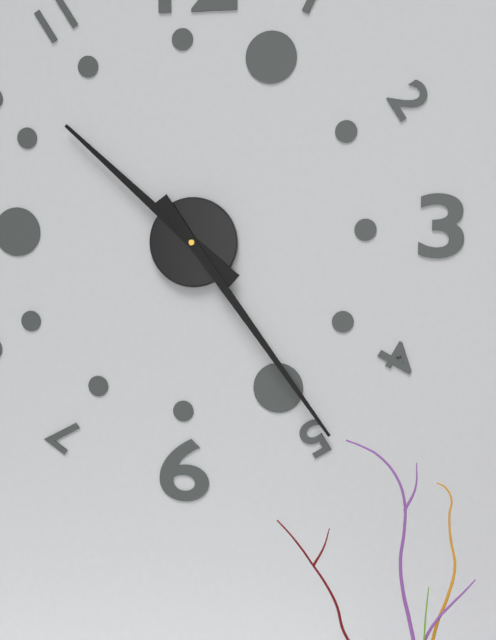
10:24
